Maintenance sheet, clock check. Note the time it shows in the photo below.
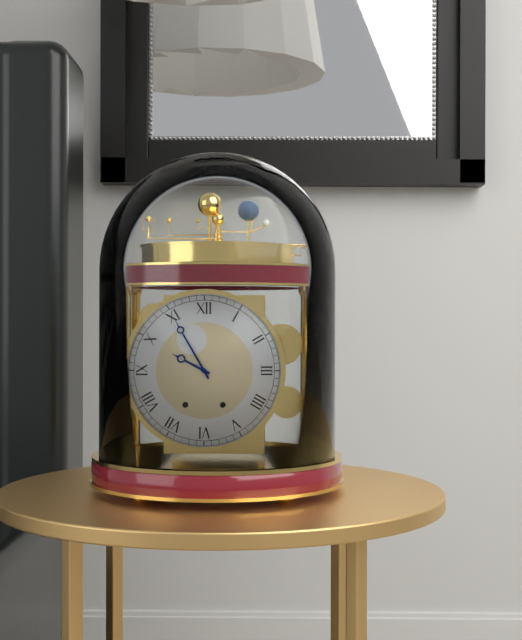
9:55
